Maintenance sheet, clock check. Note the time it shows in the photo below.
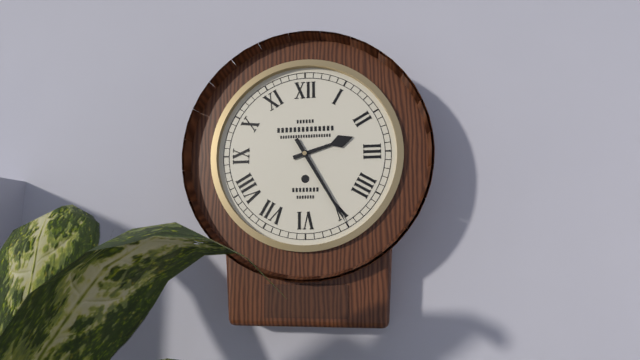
2:25
